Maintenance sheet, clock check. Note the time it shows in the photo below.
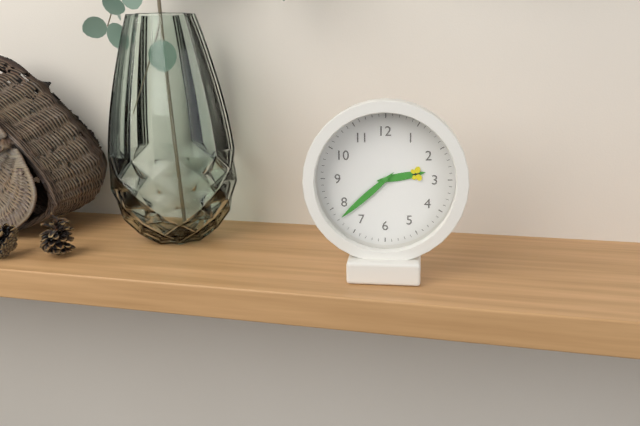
2:38
